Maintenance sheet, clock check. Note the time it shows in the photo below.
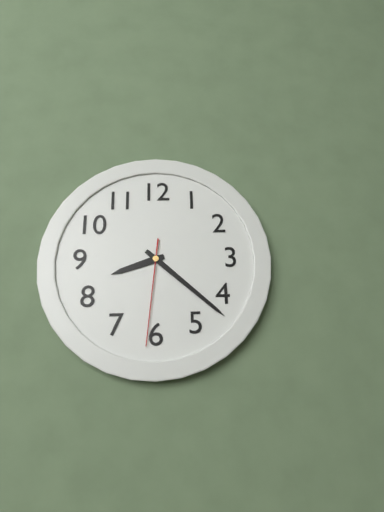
8:22:31
